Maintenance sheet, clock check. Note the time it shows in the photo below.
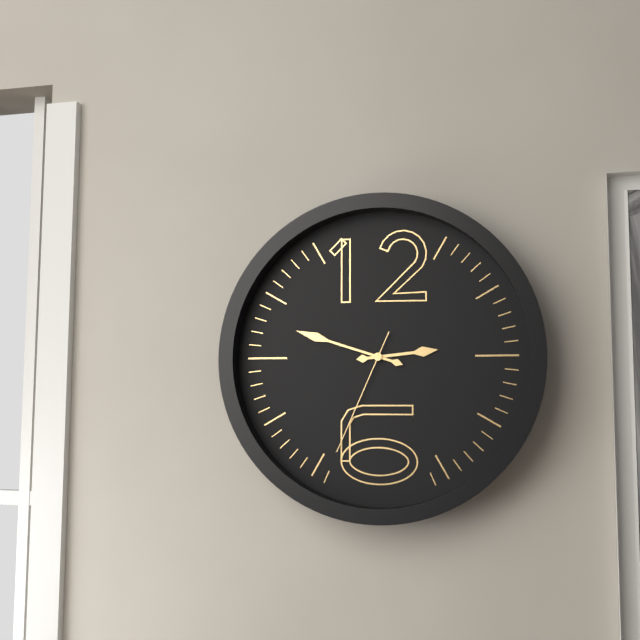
2:48:34
